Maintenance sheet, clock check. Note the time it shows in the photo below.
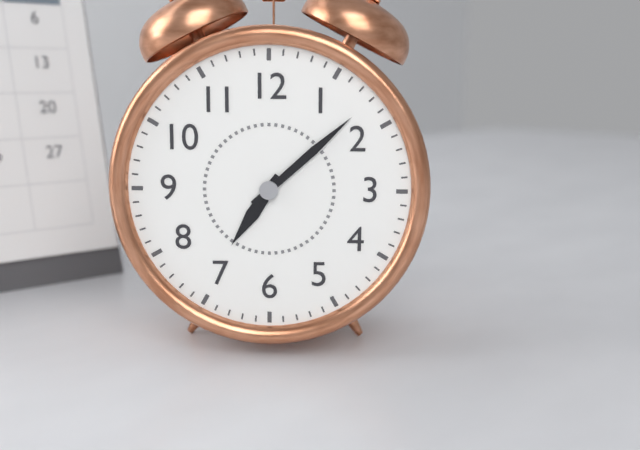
7:08
